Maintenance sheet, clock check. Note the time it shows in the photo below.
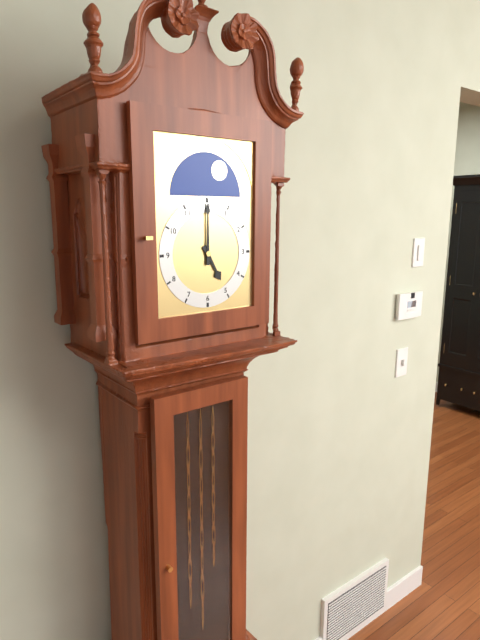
5:00
